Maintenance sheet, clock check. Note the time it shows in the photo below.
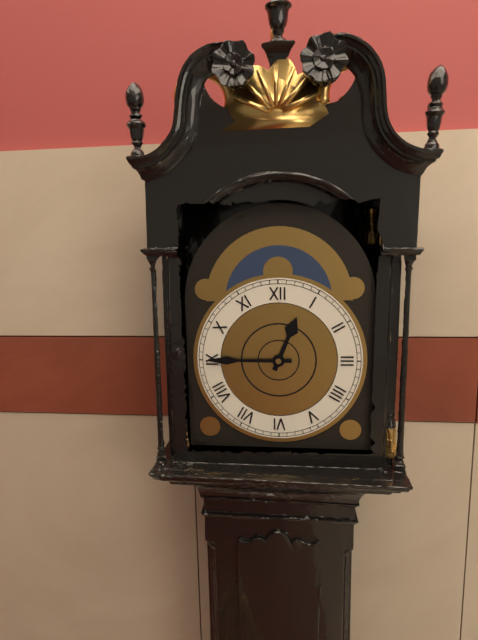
12:45
